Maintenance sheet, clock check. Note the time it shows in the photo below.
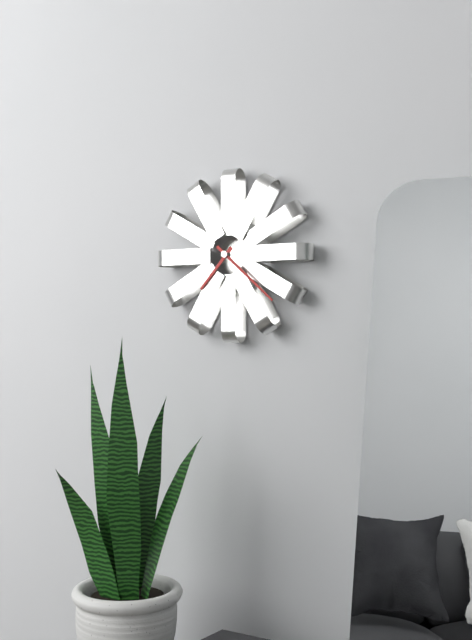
7:22
